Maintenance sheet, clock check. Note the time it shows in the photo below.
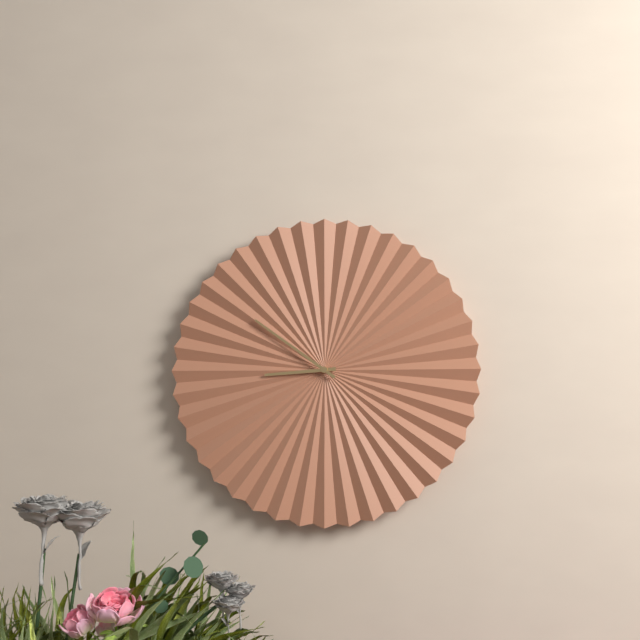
8:51
